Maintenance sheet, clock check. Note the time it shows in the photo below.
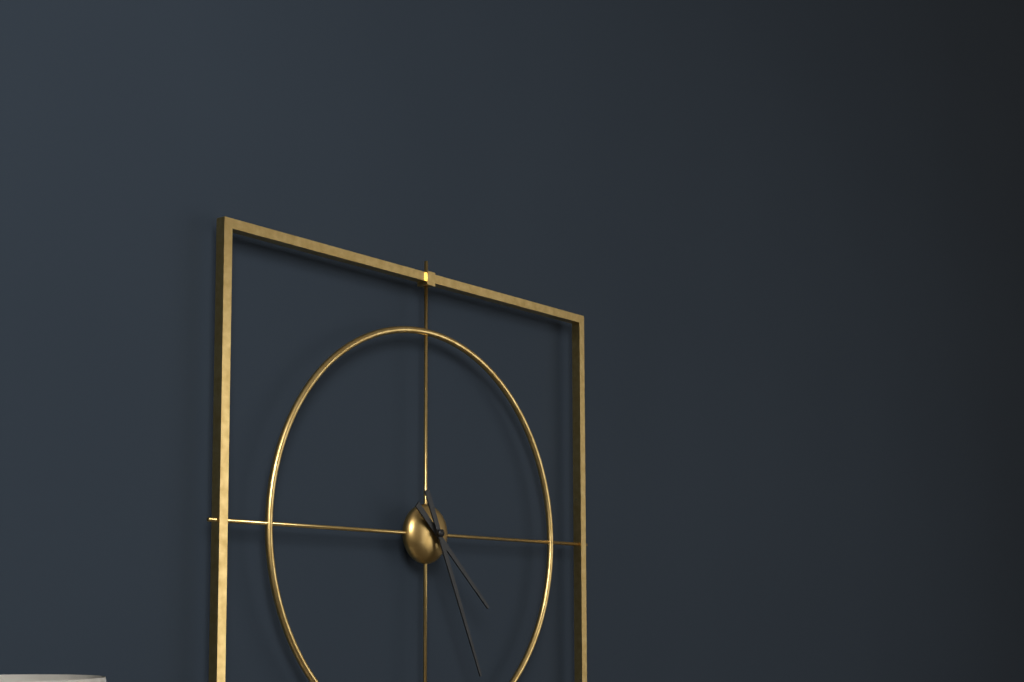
4:26
